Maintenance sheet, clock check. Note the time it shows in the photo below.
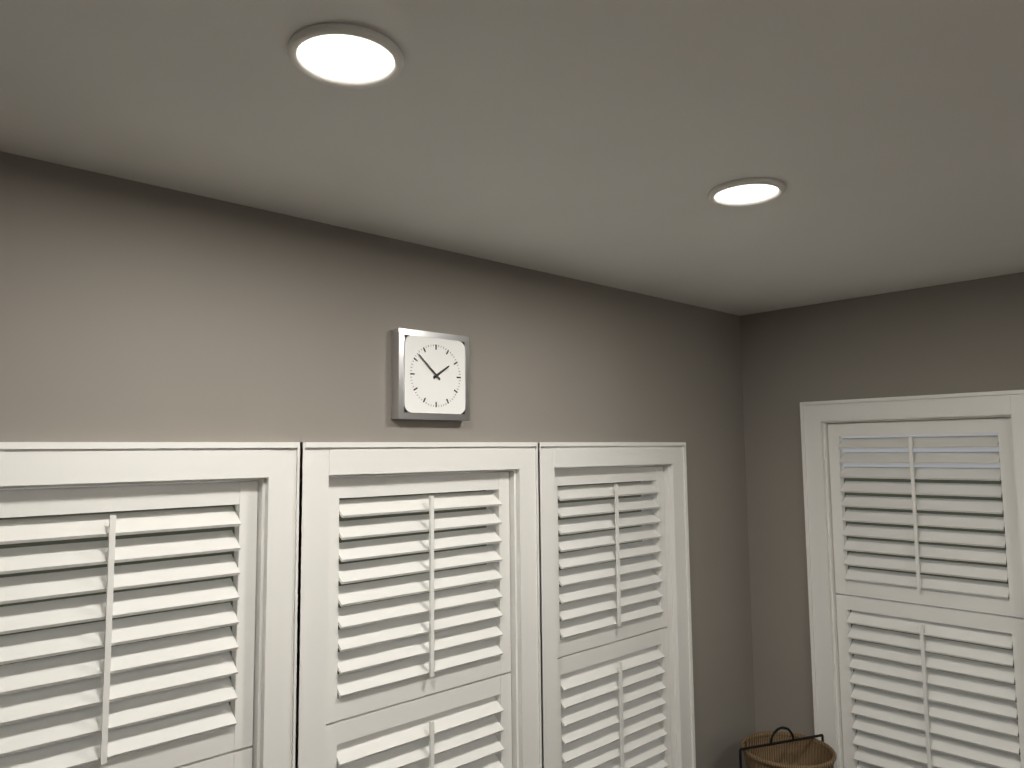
1:52
